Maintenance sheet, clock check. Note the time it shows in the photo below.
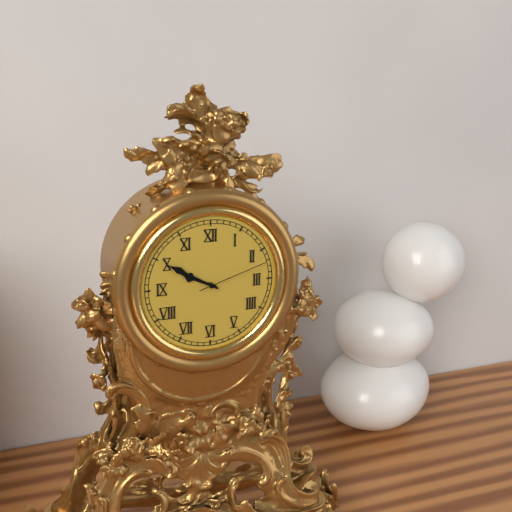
9:50:12
